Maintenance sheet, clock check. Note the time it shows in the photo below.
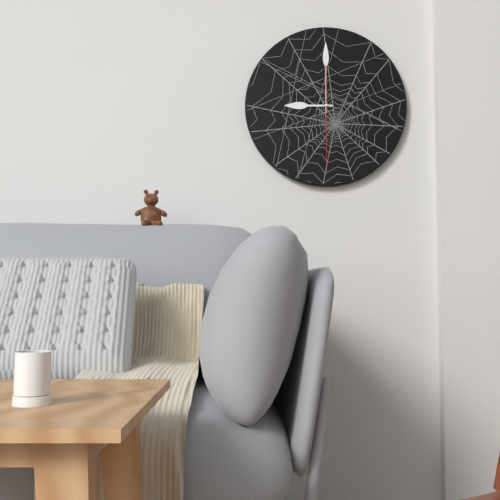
9:00:30
